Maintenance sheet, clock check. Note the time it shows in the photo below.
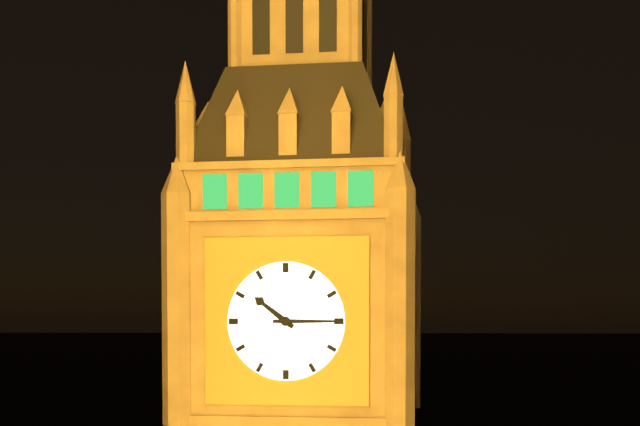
10:15
